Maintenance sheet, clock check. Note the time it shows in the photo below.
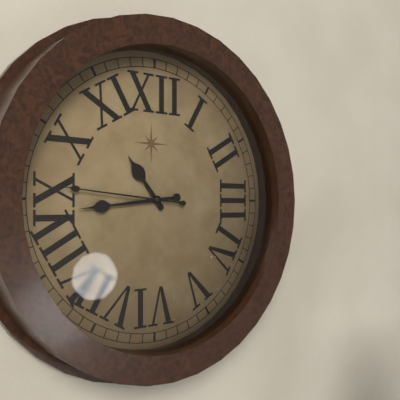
10:44:46
